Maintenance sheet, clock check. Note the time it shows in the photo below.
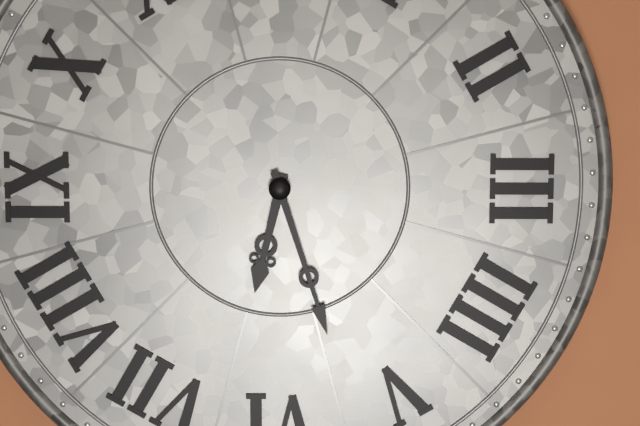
6:27
